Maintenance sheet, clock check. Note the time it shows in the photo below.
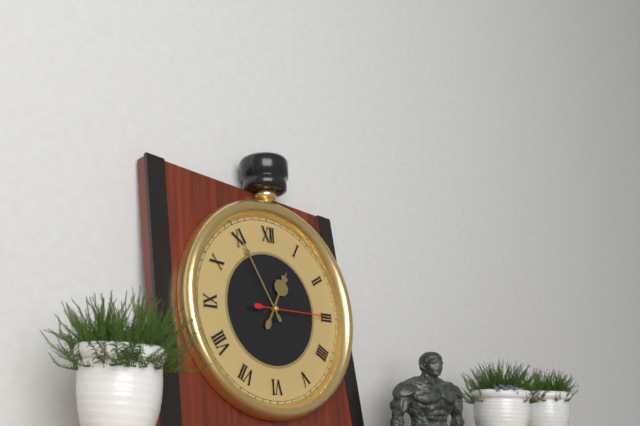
12:55:15
